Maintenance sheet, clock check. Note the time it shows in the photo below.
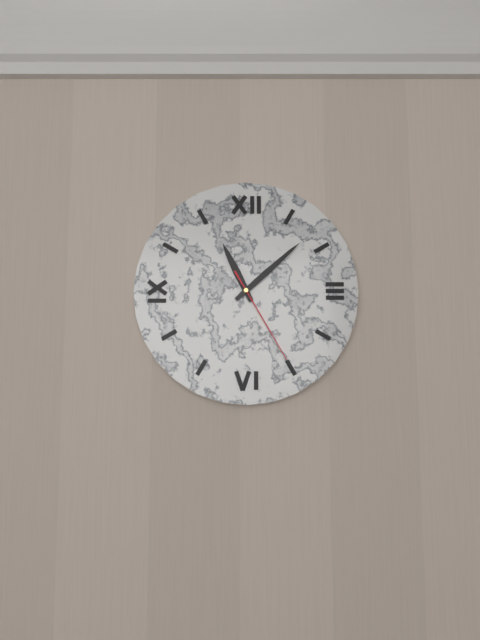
11:08:25
